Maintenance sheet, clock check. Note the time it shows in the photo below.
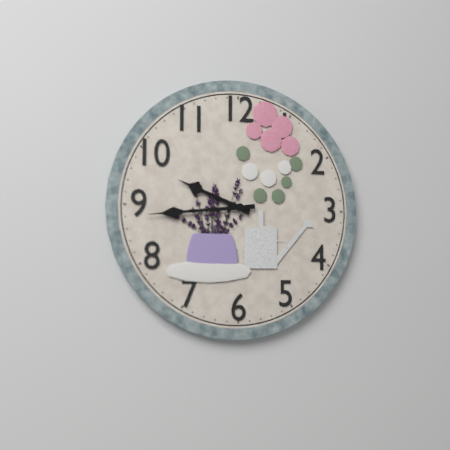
9:44
